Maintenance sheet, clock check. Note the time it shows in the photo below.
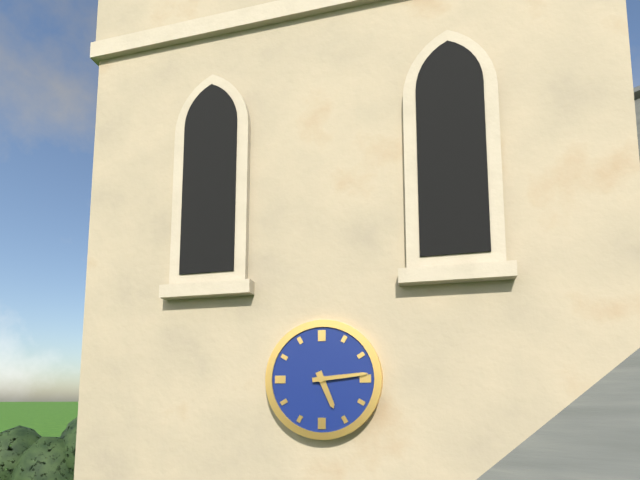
5:14
